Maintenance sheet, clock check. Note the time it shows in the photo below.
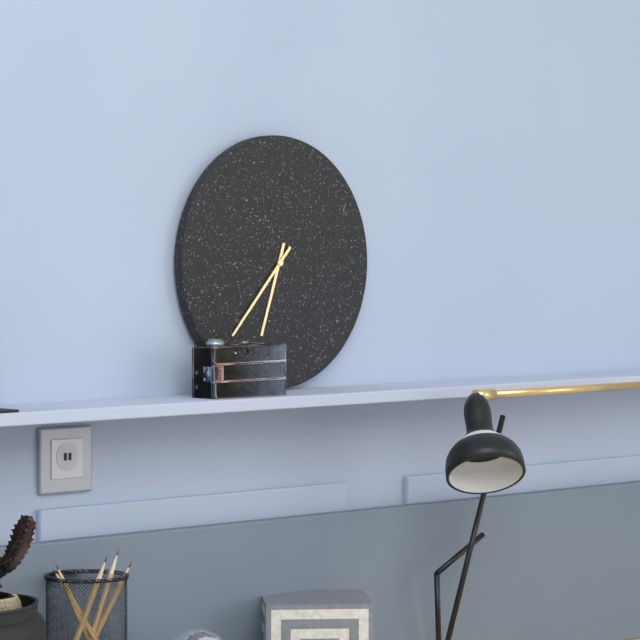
6:37
